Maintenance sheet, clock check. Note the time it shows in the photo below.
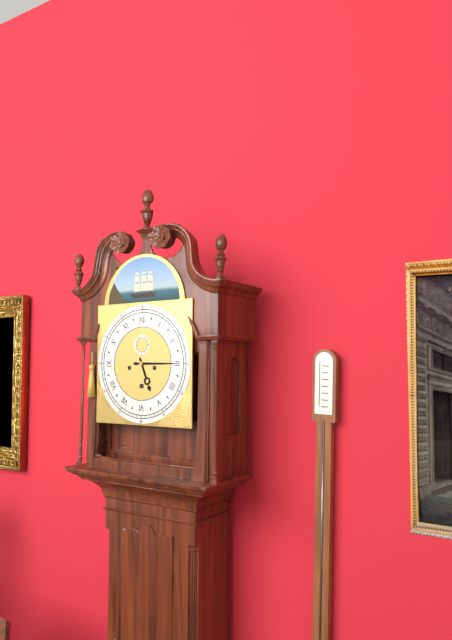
5:15
